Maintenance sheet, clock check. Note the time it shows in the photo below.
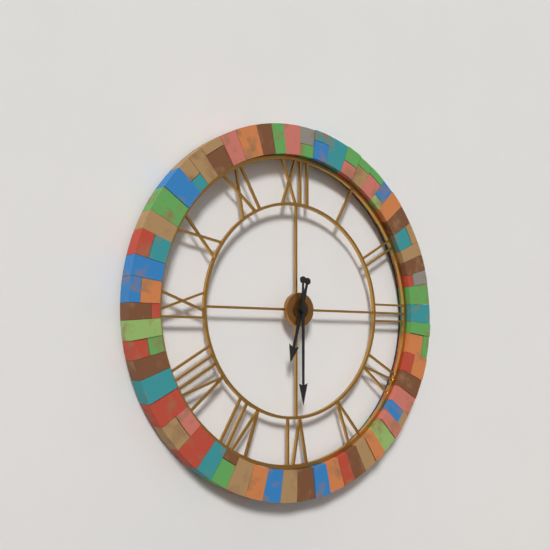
6:30
